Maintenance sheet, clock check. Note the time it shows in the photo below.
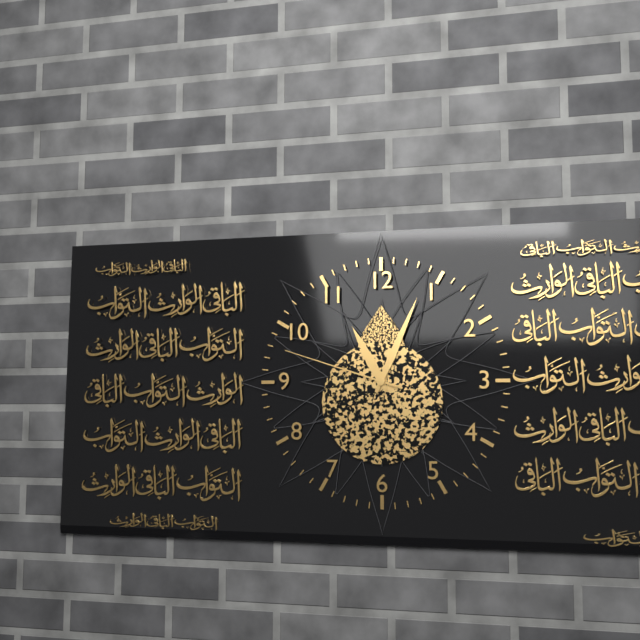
11:04:48
